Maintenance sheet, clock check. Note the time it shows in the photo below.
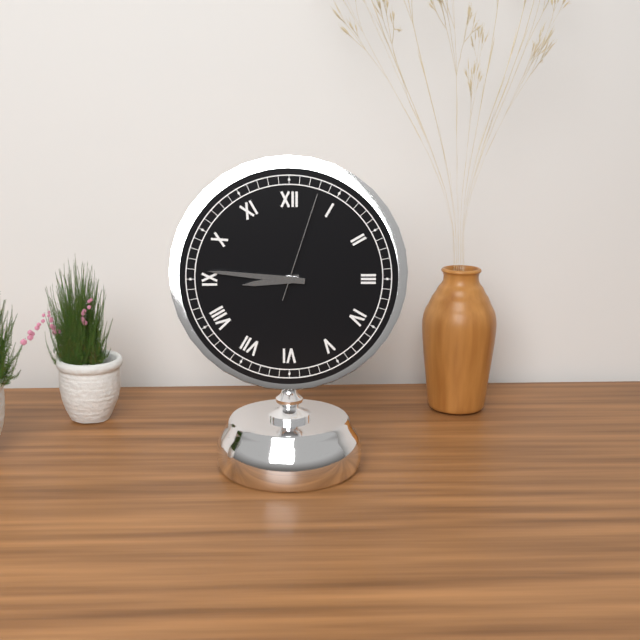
8:46:03
